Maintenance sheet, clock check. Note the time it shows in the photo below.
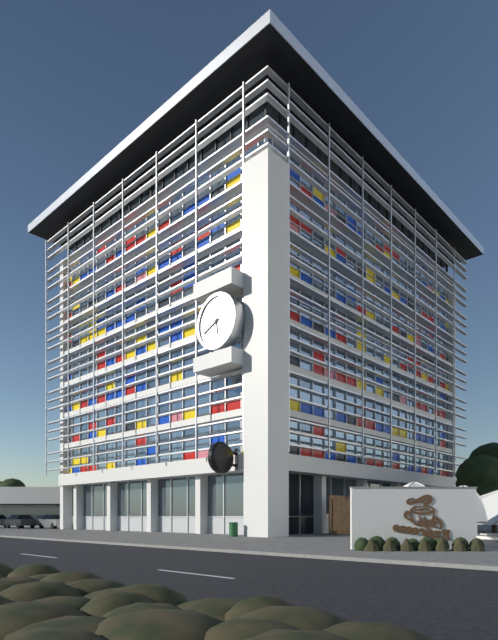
5:41
